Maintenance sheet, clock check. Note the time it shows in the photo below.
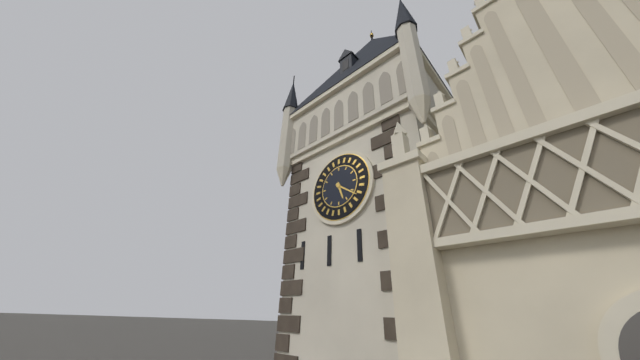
5:21
